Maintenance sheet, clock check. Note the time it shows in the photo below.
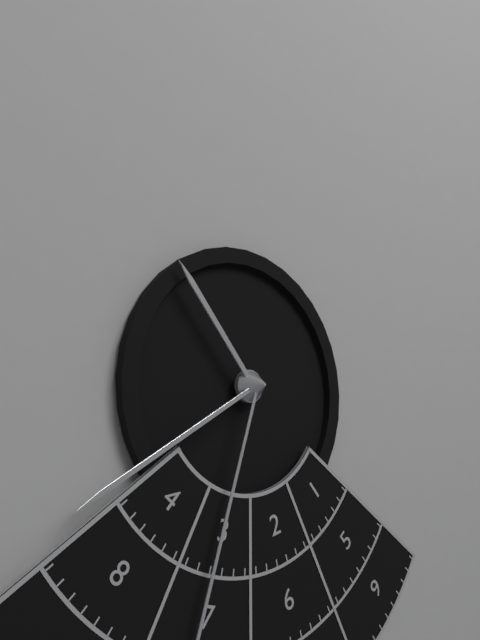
10:40
